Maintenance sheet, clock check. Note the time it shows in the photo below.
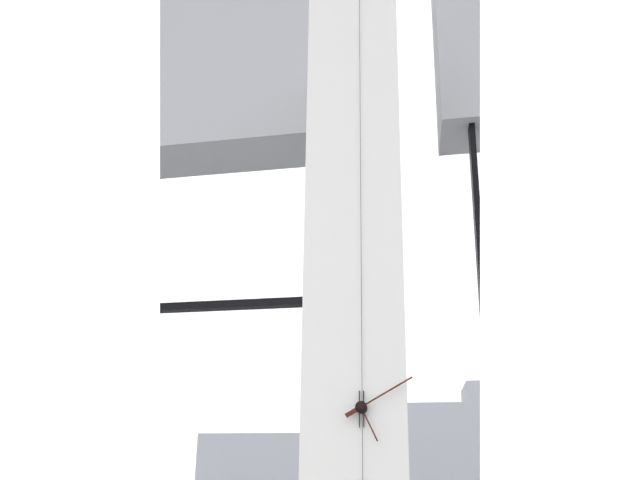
5:10
